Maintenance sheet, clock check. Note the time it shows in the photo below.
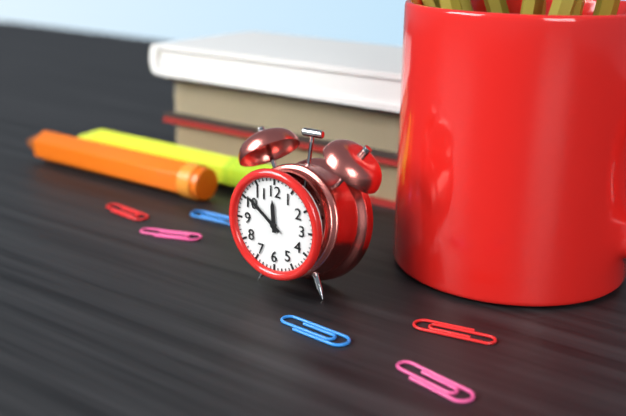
11:51
